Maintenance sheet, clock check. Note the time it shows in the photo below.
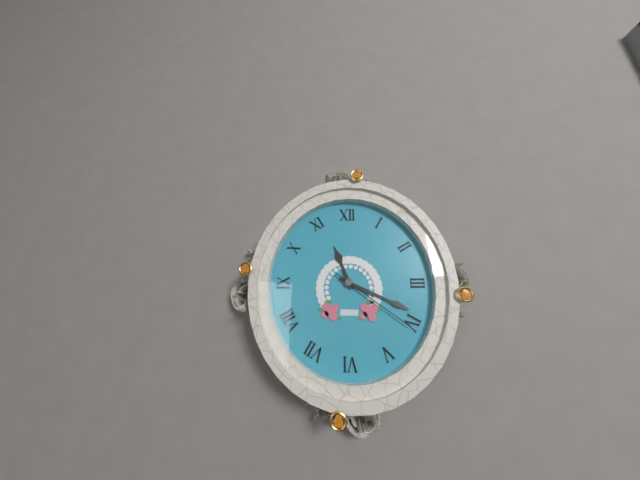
11:19:21
